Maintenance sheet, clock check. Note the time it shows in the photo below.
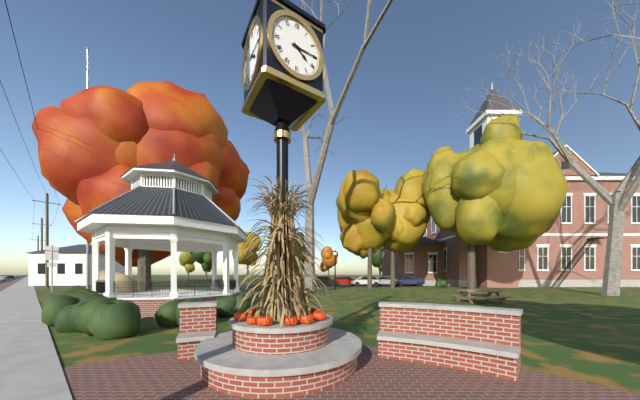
4:15
